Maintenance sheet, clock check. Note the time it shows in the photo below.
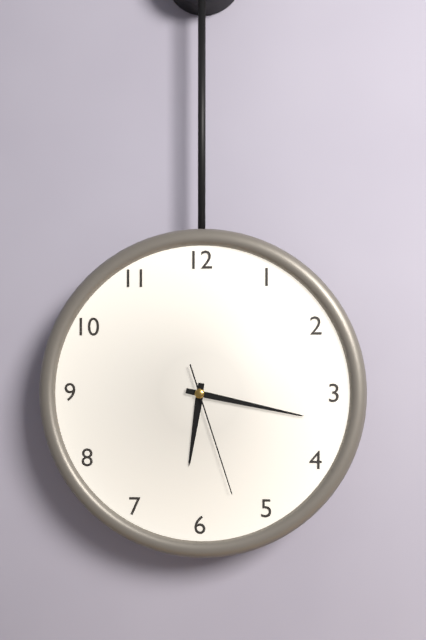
6:17:27
